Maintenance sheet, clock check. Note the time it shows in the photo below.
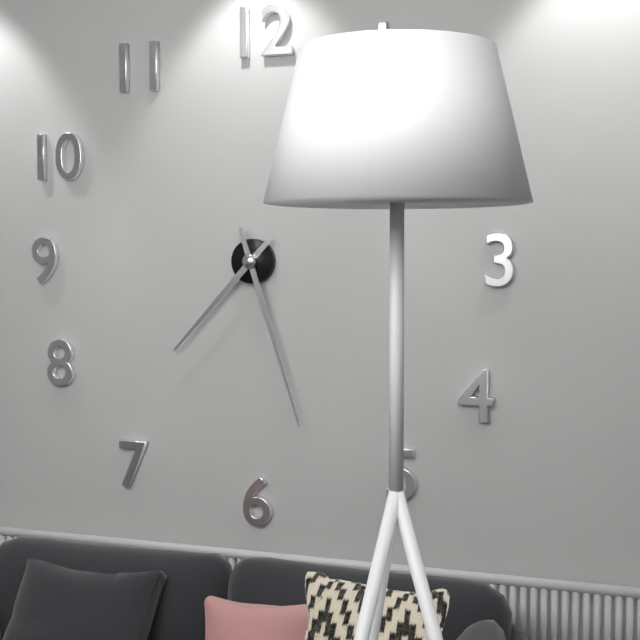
7:27
